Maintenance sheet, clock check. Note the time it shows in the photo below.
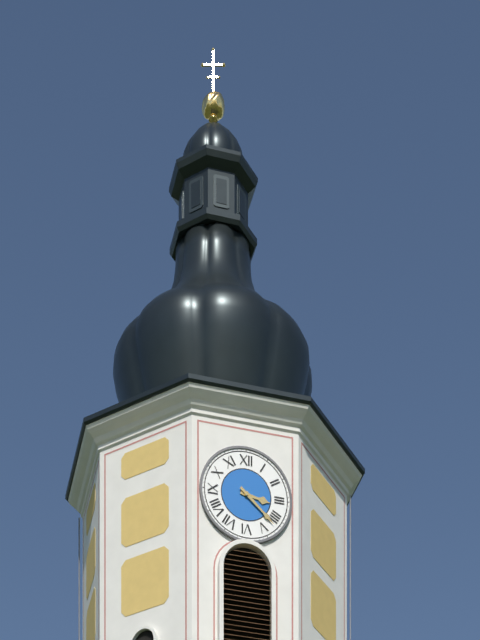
3:22
